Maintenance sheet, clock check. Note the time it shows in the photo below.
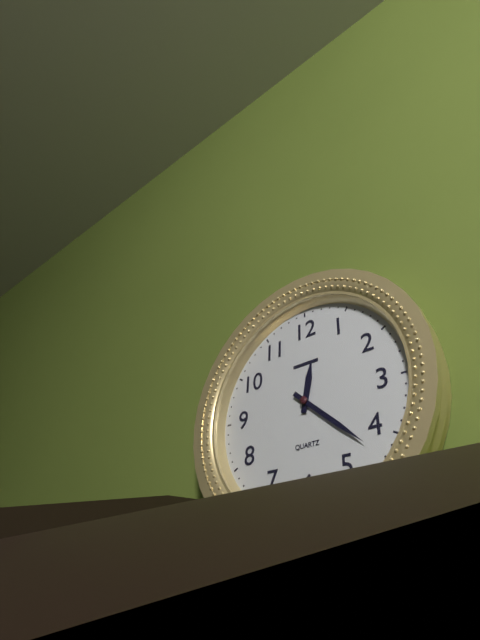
12:22
